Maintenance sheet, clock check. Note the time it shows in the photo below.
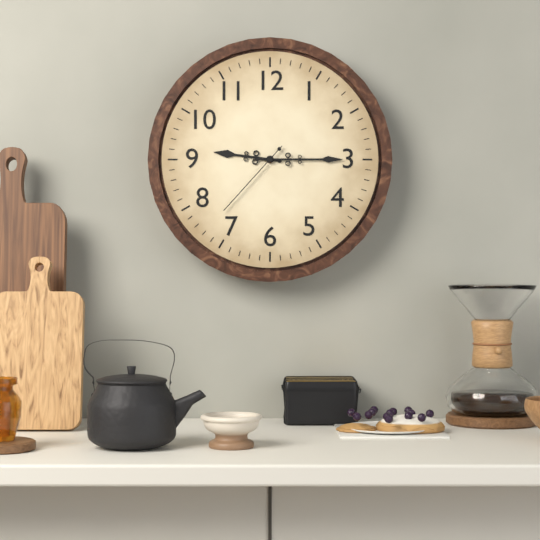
9:15:37
